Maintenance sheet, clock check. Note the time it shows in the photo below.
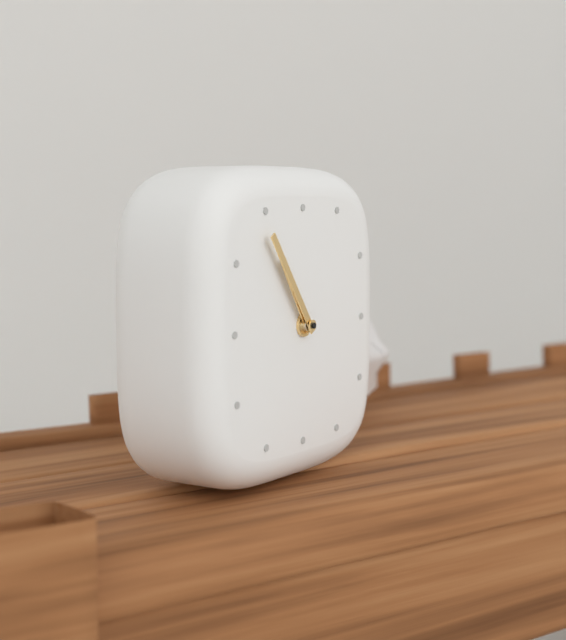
10:54
